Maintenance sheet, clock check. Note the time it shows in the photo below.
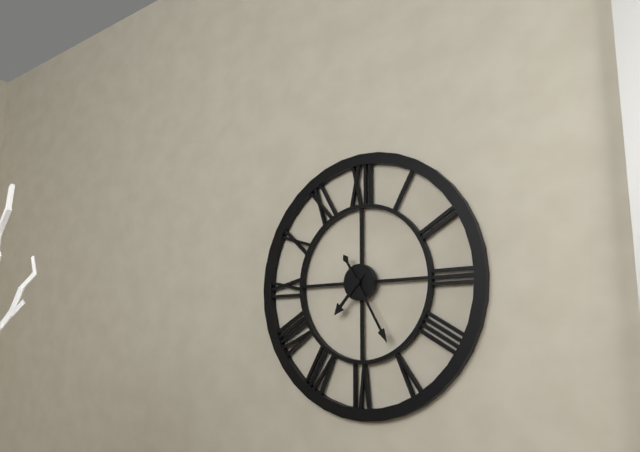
7:25
